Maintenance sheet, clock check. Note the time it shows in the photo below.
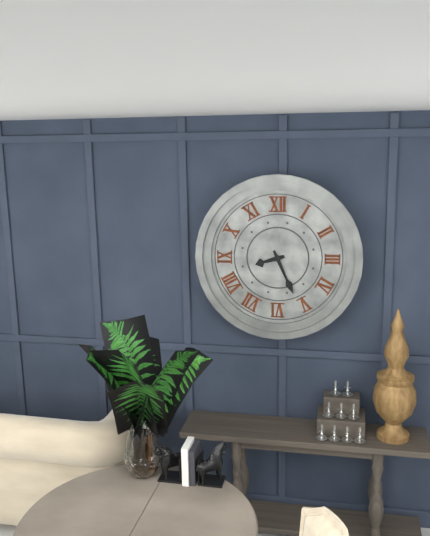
8:26
